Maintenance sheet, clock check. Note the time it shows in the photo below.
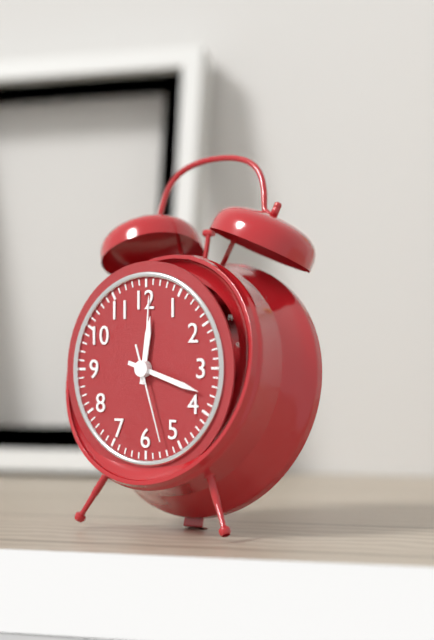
12:18:27
